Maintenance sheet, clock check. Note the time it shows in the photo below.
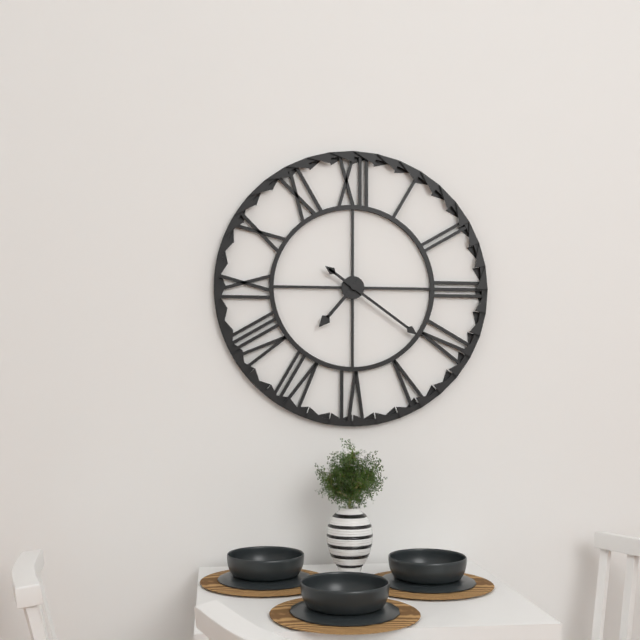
7:21
